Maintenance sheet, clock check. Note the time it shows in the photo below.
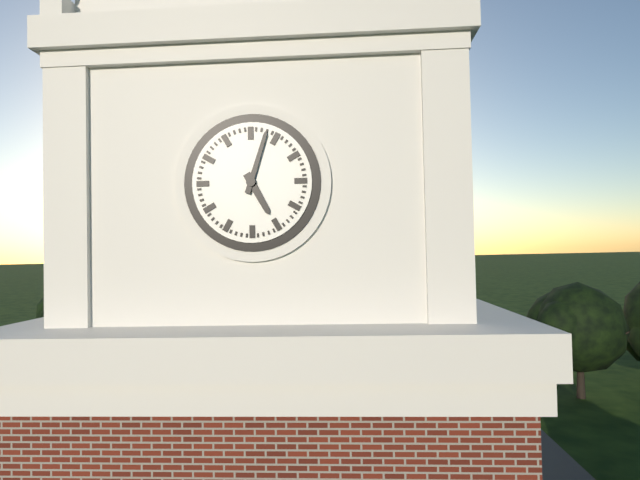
5:03
